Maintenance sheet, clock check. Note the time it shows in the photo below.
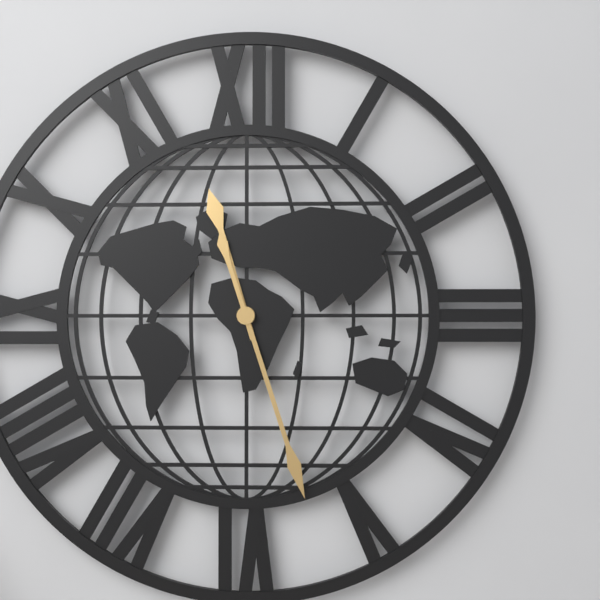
11:27
